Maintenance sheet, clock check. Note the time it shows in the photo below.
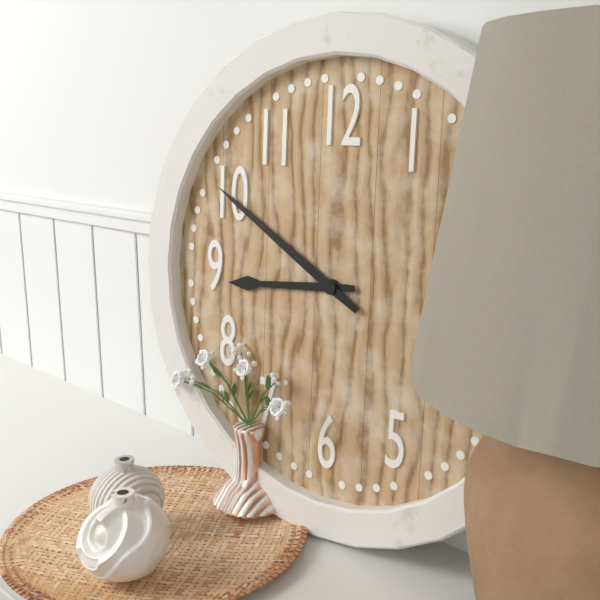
8:50
